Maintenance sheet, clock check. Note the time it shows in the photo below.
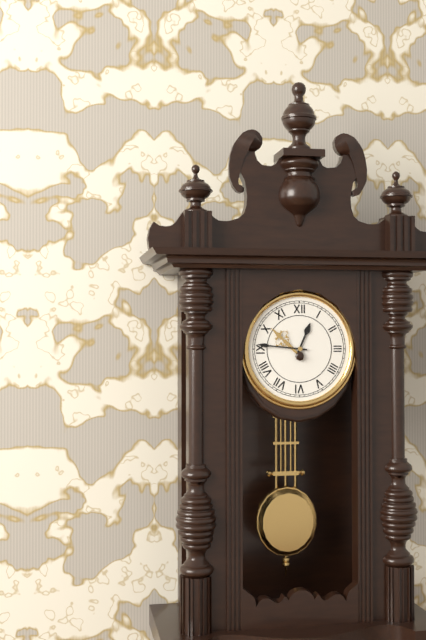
12:46
